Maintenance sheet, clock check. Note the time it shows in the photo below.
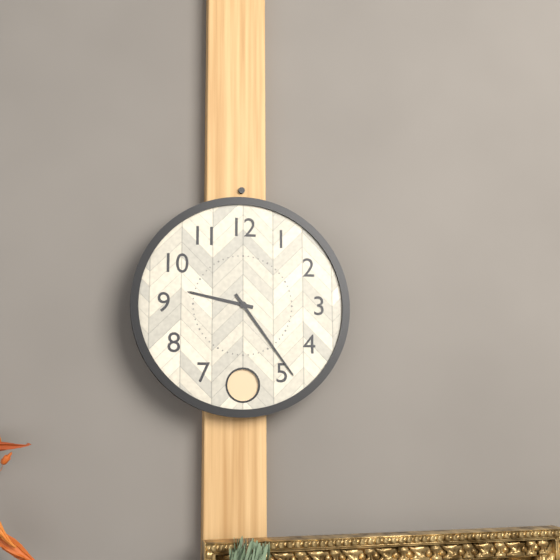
9:24
